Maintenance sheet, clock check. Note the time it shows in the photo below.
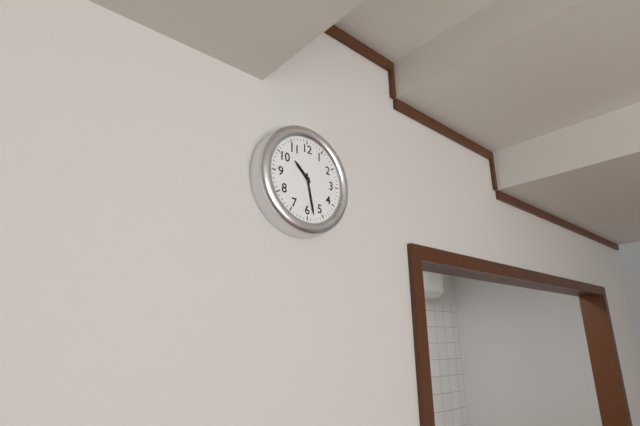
10:28
